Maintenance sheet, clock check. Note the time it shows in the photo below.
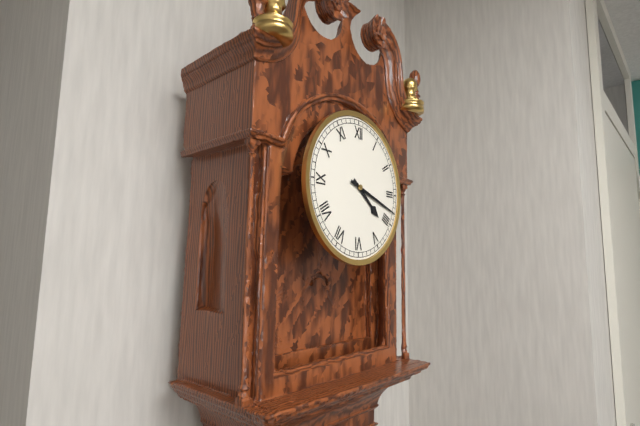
4:18
